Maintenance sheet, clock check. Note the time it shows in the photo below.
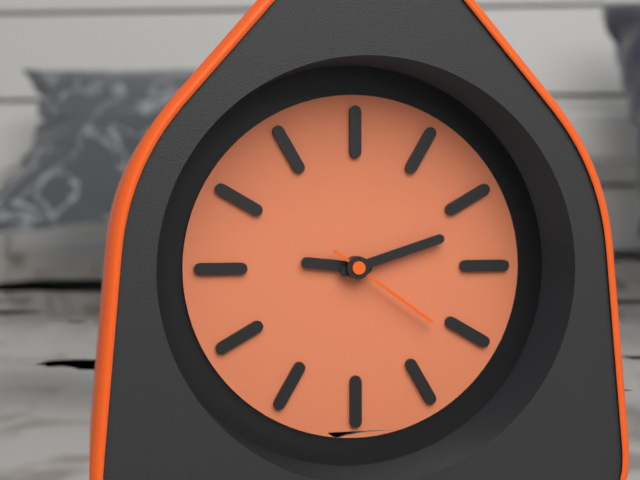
9:12:21
